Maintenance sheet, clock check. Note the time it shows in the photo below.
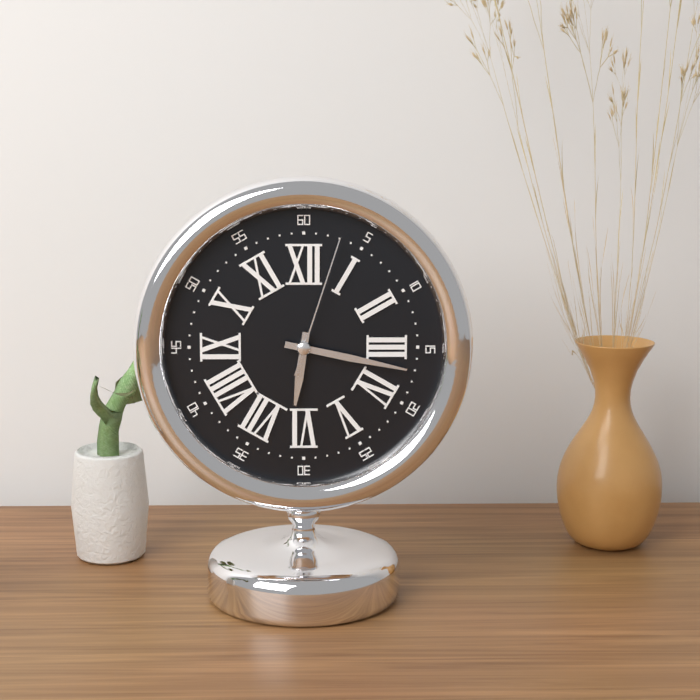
6:17:03
